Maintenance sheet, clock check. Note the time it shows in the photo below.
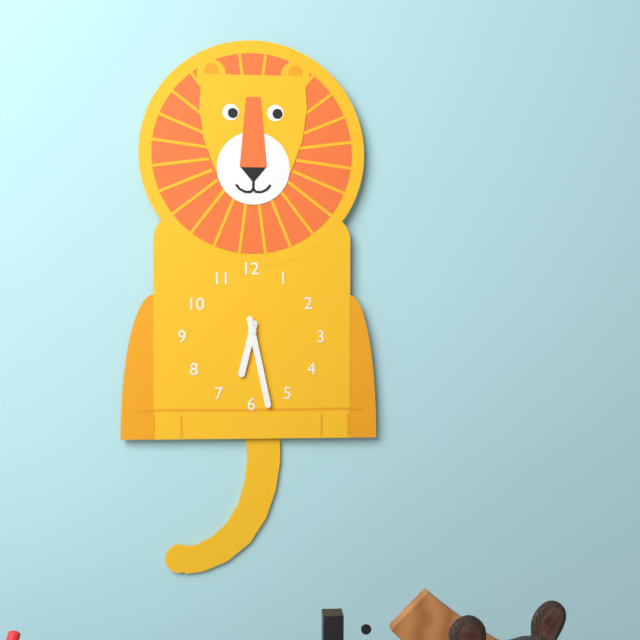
6:28
